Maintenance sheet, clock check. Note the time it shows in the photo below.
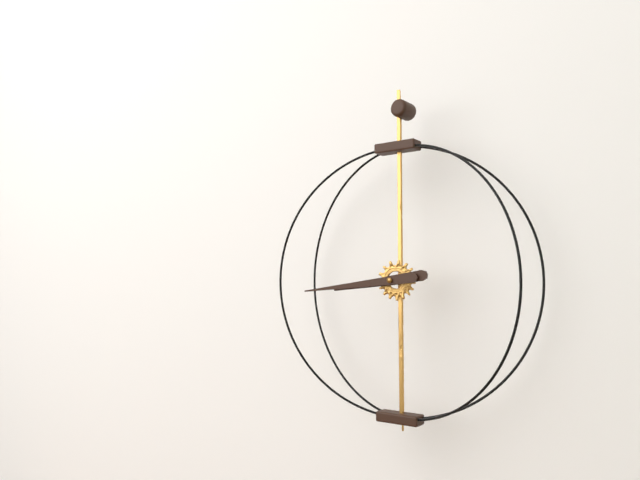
8:44
